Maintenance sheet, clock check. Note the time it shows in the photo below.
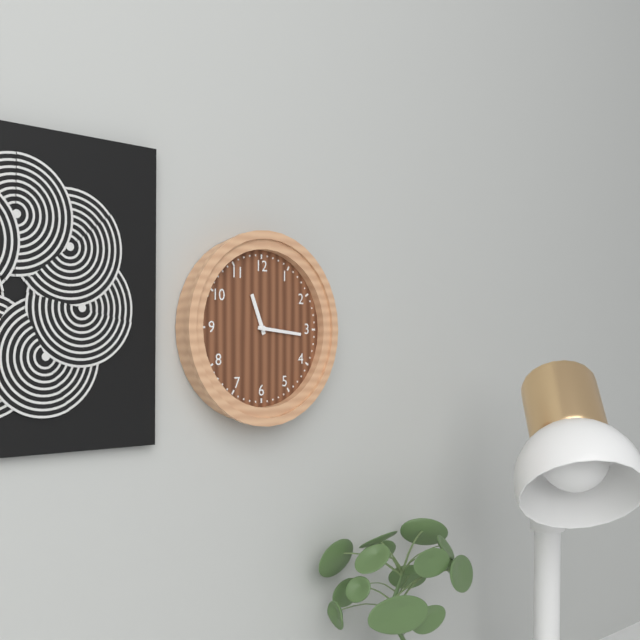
11:16
